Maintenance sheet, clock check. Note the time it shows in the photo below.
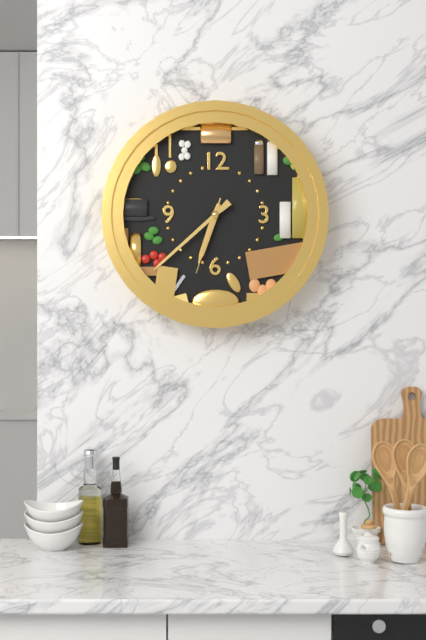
6:38:33
